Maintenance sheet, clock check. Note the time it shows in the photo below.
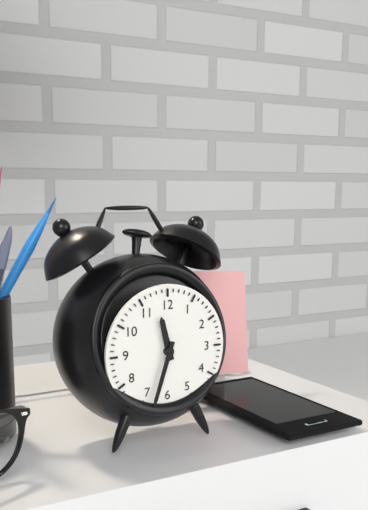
11:33
